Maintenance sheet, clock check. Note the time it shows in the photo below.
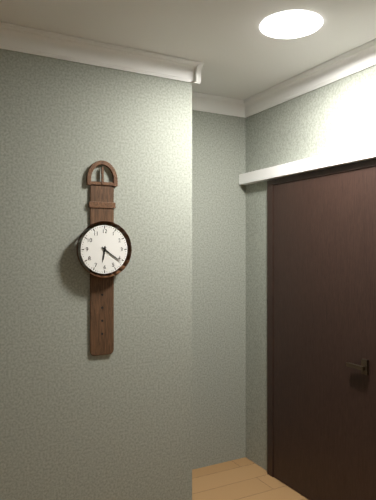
6:21
